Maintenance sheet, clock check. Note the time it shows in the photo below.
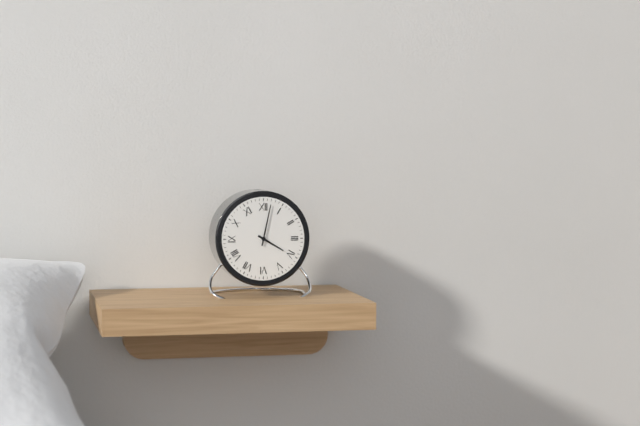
4:02
